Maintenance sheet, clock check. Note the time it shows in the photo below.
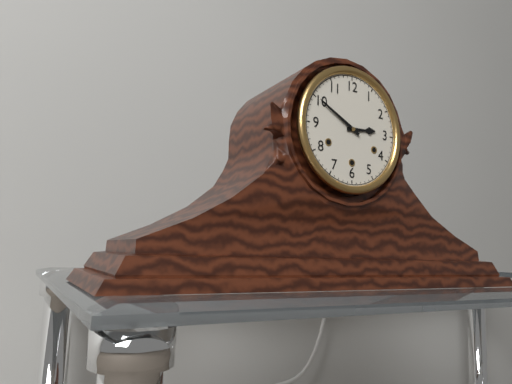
2:50
